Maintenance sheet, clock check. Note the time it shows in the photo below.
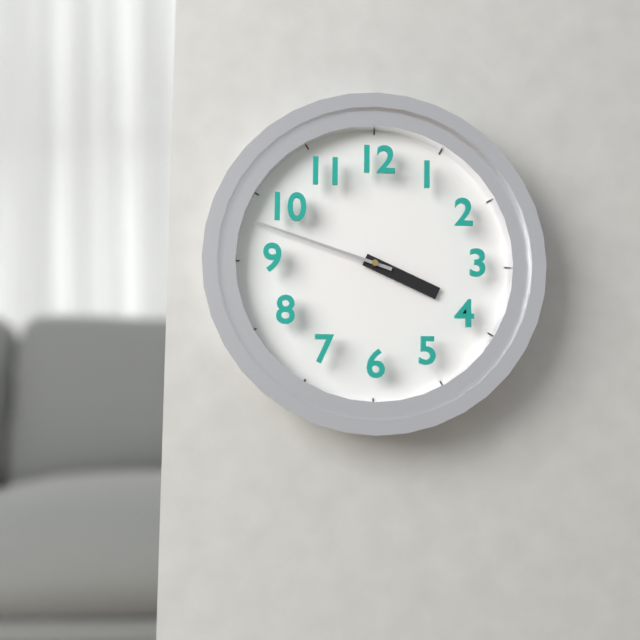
3:48
